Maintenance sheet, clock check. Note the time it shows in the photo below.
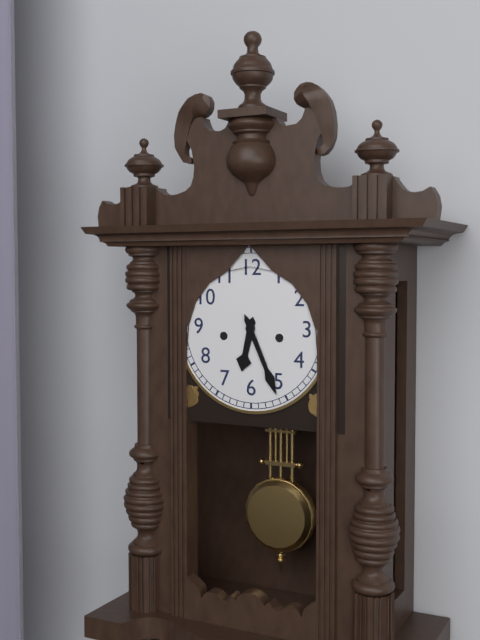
6:26
